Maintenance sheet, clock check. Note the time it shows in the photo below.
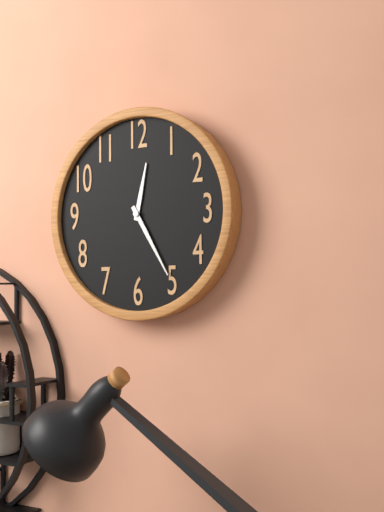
12:25
